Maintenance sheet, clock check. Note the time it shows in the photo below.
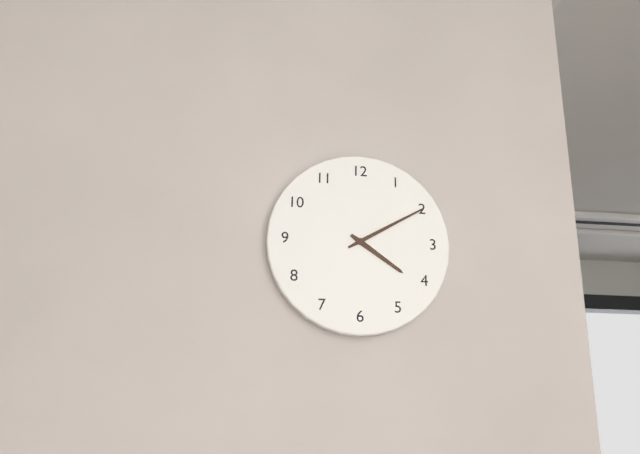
4:10
